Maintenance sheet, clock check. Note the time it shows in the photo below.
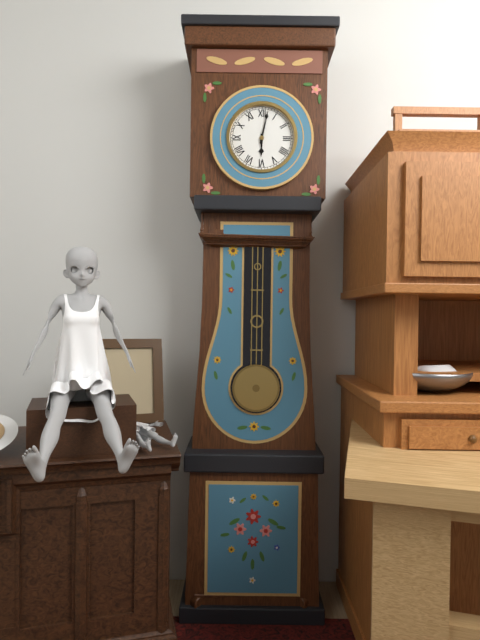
6:02
